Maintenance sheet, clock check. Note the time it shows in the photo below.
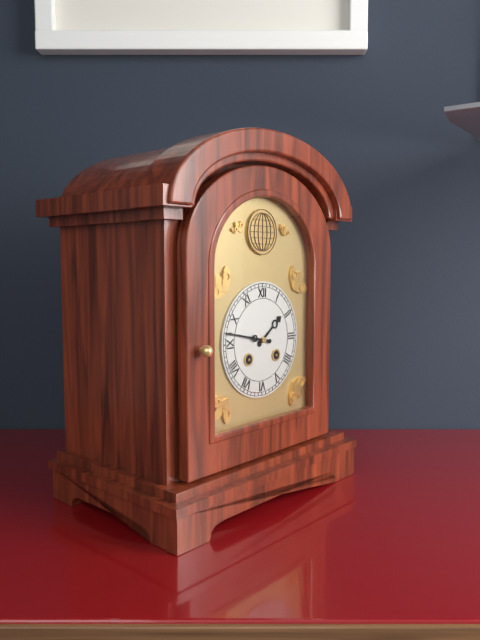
1:47
